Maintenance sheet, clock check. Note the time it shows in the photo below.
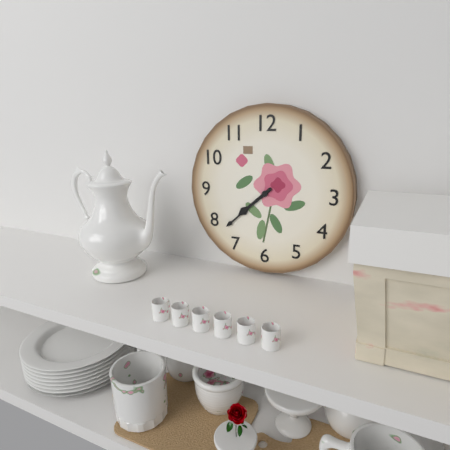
7:38
